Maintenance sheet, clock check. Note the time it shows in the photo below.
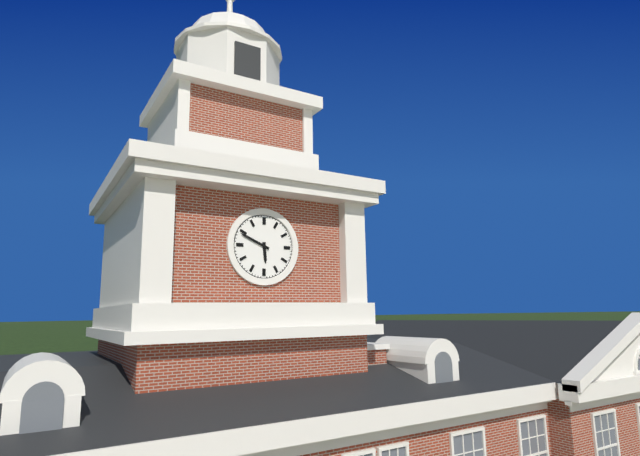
5:49
